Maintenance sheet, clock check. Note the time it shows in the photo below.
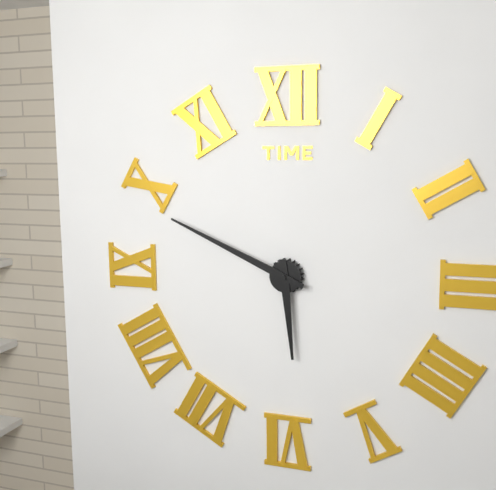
5:49
